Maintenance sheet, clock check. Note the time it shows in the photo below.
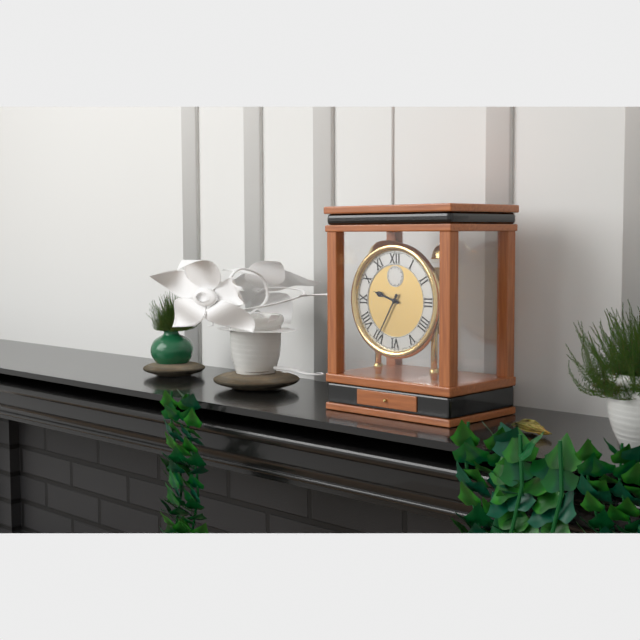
9:35
